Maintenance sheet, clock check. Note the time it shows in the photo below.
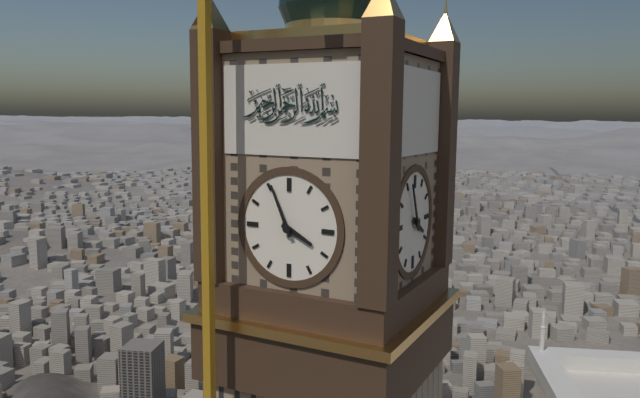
3:56
